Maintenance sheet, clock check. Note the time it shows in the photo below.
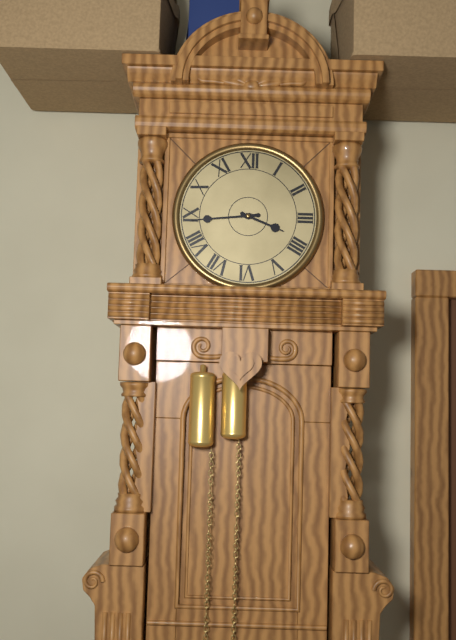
3:44
